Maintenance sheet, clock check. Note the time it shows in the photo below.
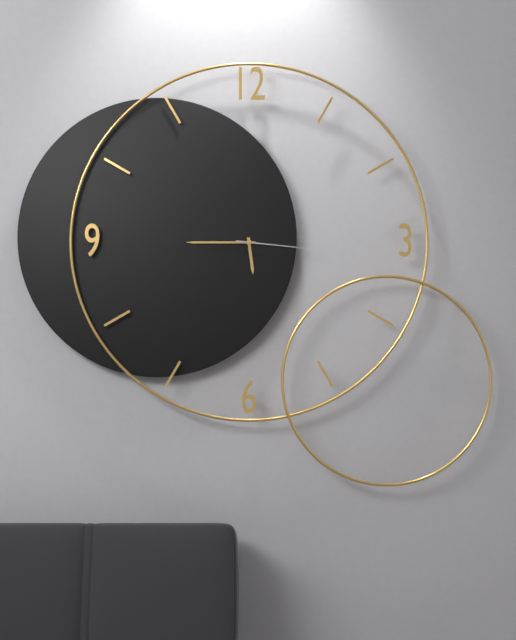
5:45:16
